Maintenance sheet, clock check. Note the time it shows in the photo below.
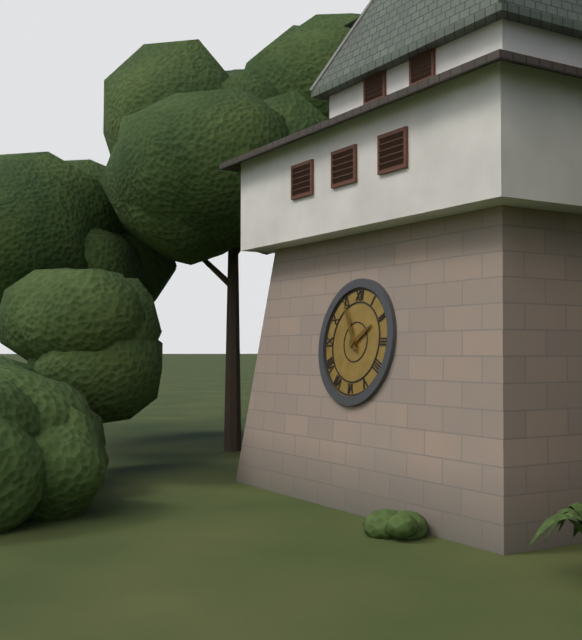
1:55
